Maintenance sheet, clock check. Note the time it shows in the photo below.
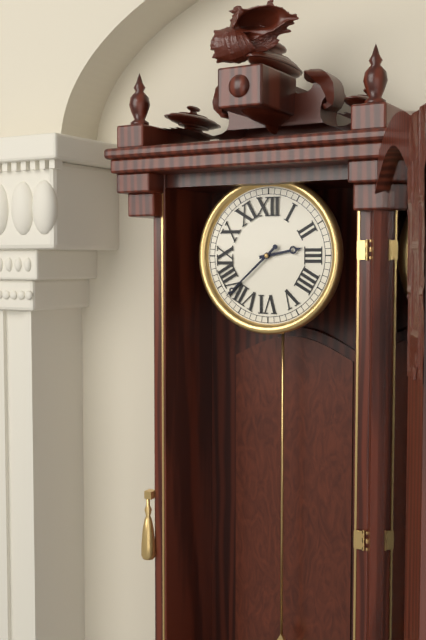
2:38
